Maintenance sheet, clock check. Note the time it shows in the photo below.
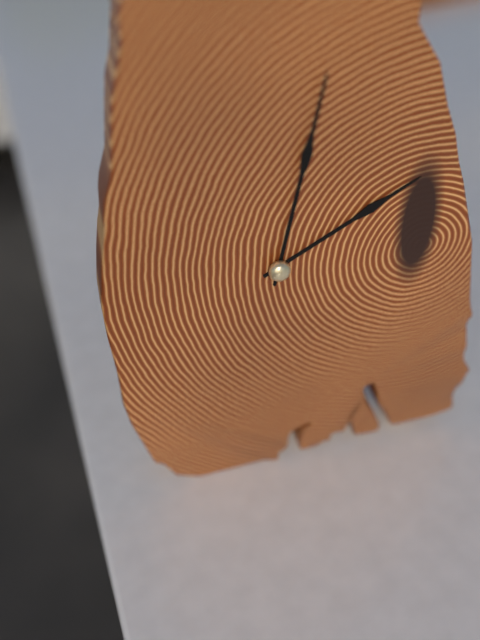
2:02
